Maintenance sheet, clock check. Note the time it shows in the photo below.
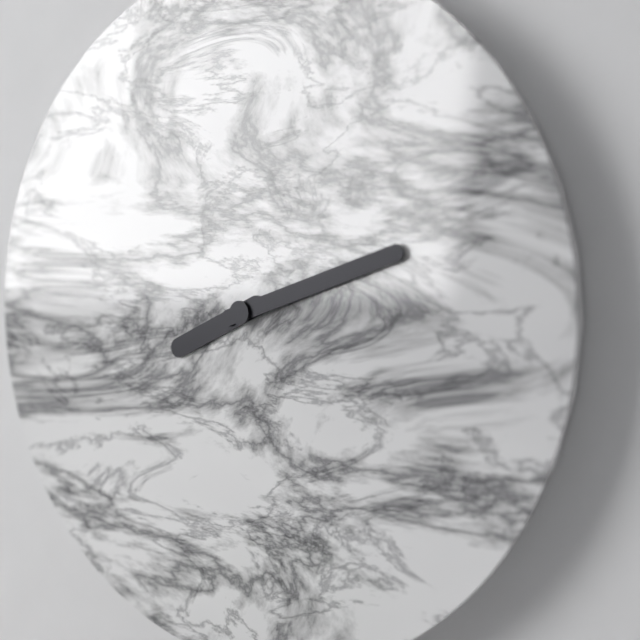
8:12
